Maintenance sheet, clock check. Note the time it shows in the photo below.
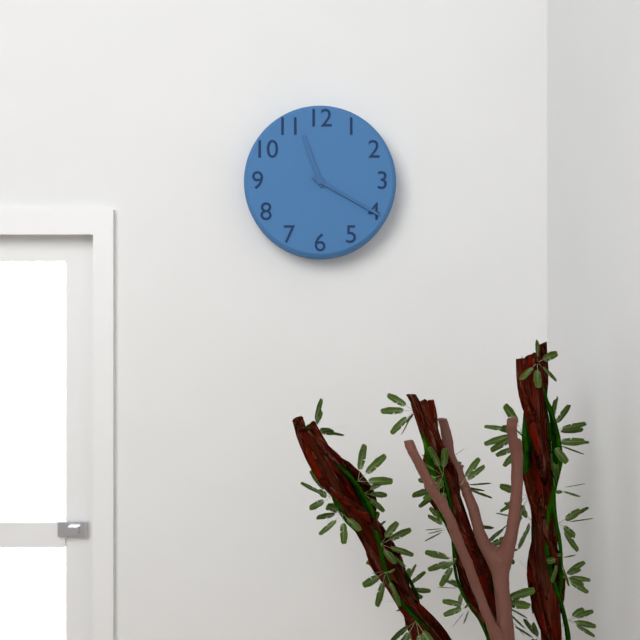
11:20
